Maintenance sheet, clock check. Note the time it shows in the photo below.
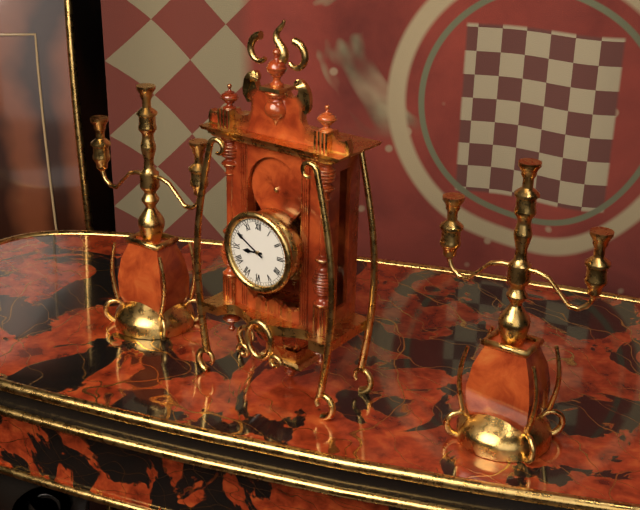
8:50
